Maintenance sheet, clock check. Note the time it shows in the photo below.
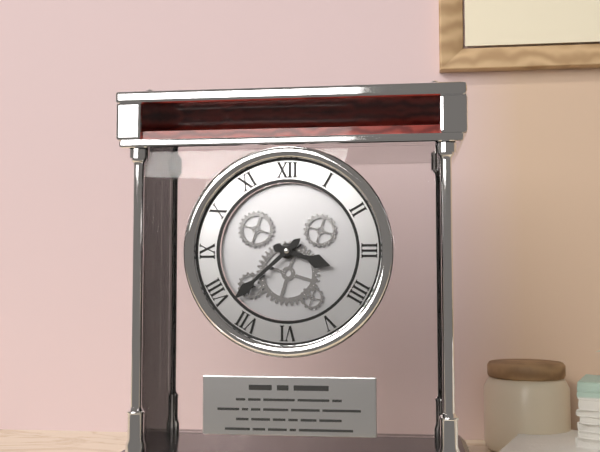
3:38
